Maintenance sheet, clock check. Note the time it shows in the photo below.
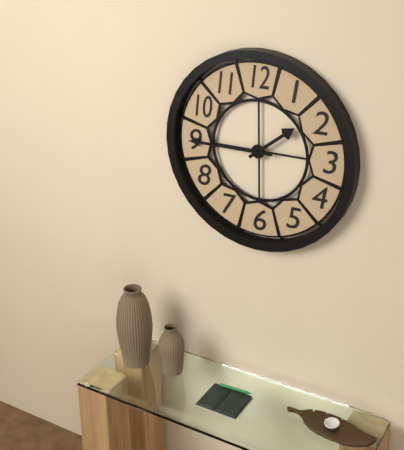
1:45
